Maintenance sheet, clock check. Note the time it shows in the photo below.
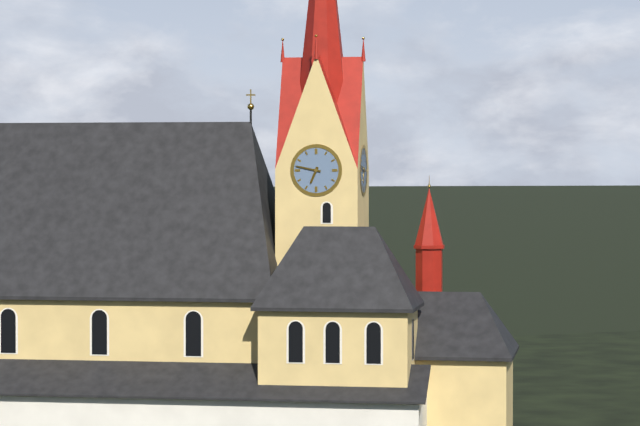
6:47
